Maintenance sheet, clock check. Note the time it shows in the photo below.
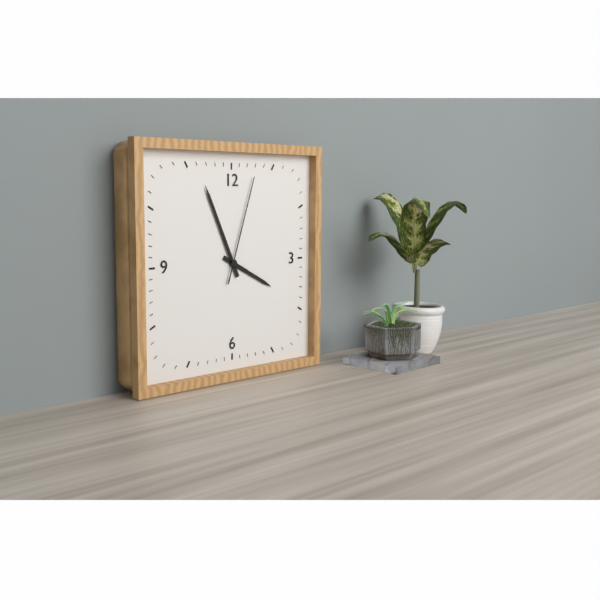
3:56:03
